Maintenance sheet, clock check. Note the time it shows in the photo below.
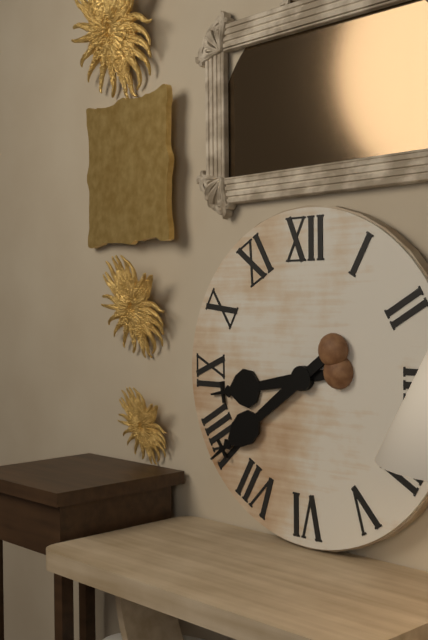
8:39
